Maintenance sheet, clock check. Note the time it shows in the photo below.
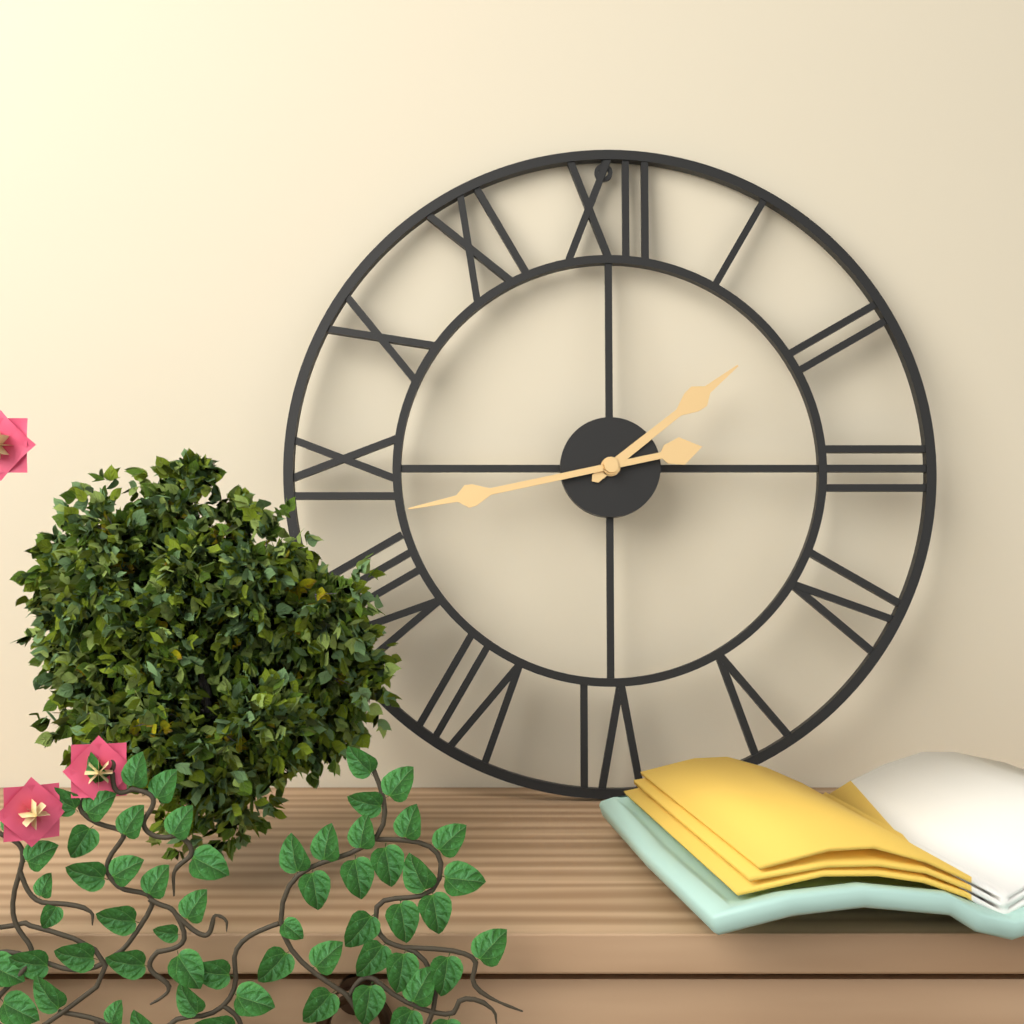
1:43
